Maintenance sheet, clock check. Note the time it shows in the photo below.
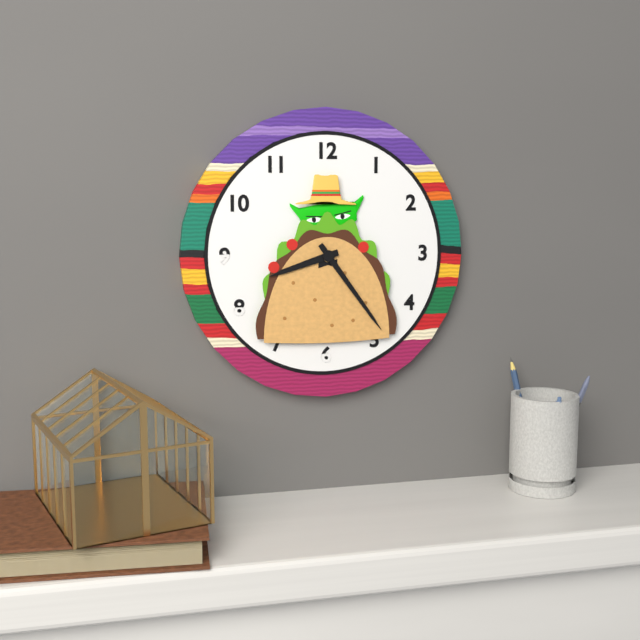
8:24
